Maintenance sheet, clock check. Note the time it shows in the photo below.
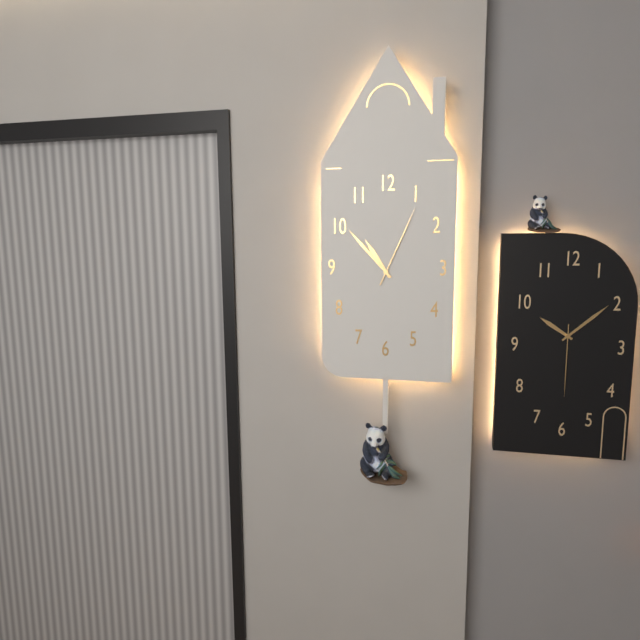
10:53:04
